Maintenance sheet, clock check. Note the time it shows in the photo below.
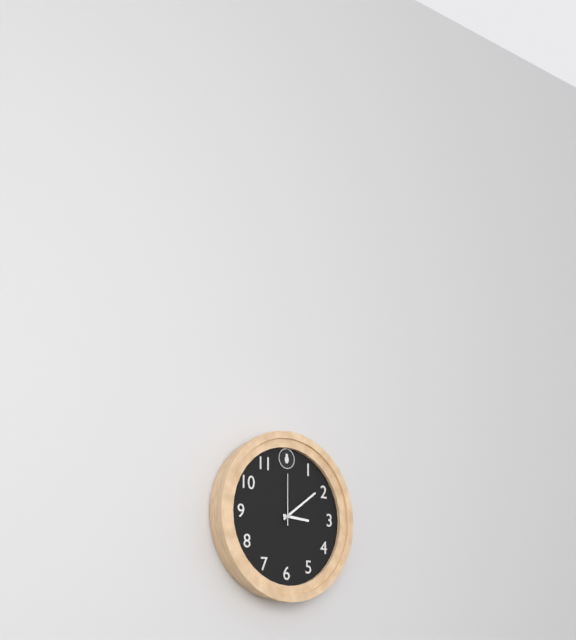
3:09:00
